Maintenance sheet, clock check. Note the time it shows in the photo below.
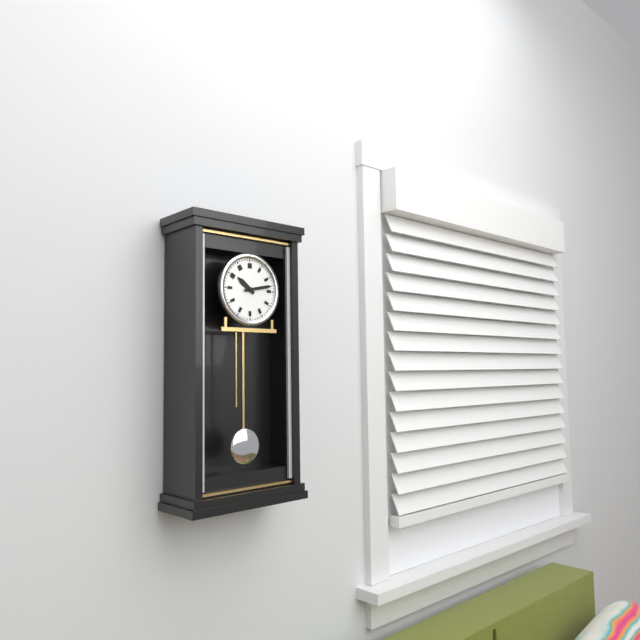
10:13
